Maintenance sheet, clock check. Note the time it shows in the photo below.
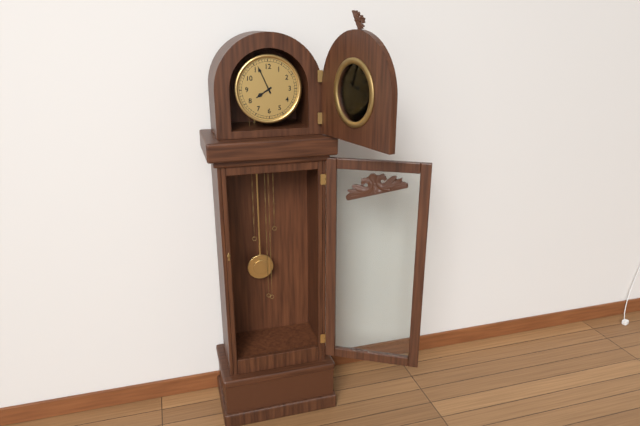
7:56
